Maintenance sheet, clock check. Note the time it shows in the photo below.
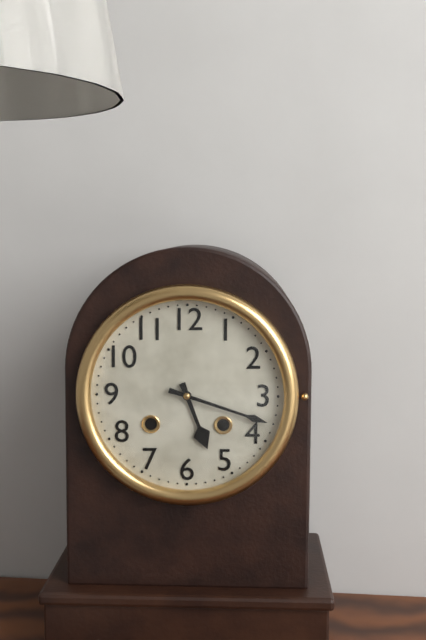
5:18
